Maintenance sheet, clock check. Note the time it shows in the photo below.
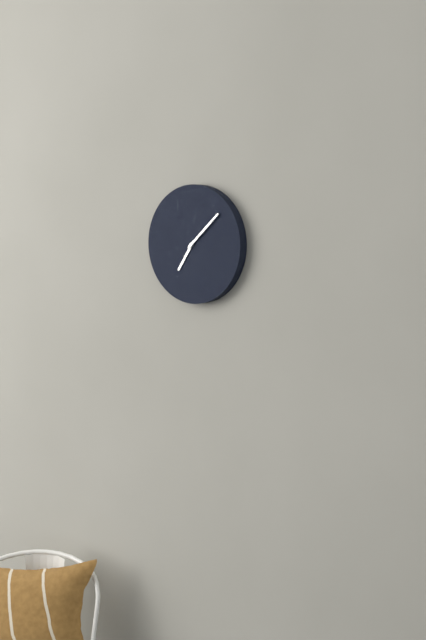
7:08
